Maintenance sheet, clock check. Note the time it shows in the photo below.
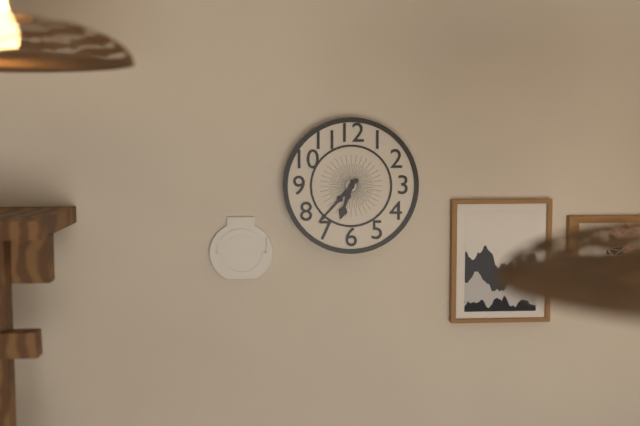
6:37
